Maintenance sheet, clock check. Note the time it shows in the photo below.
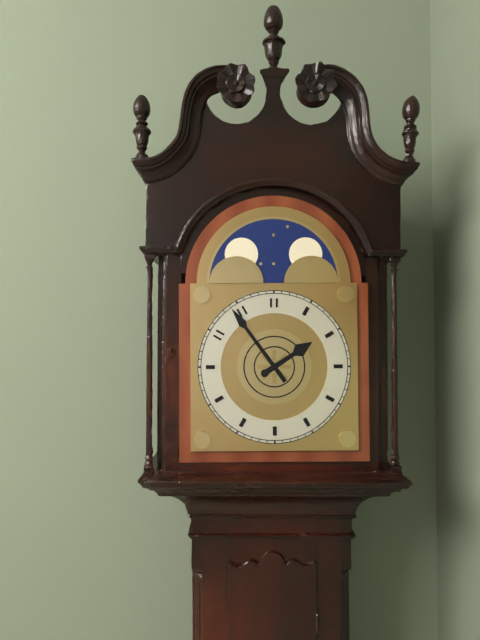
1:54
